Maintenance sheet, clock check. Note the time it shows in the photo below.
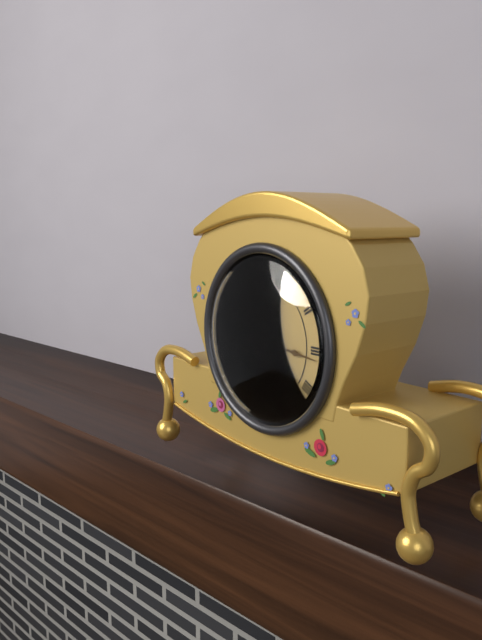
12:16
